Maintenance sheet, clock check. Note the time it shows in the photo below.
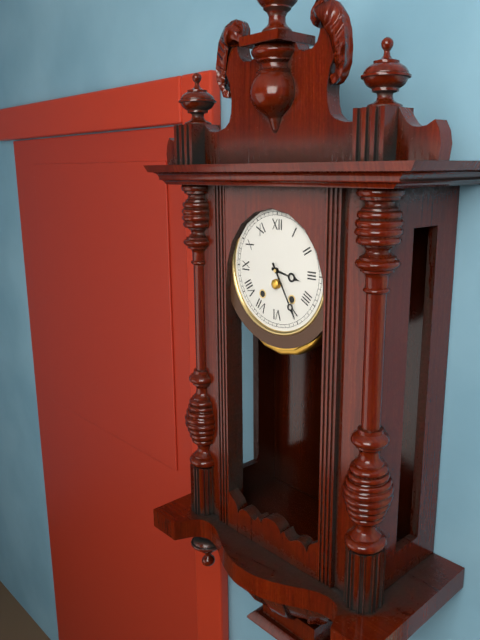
3:25
